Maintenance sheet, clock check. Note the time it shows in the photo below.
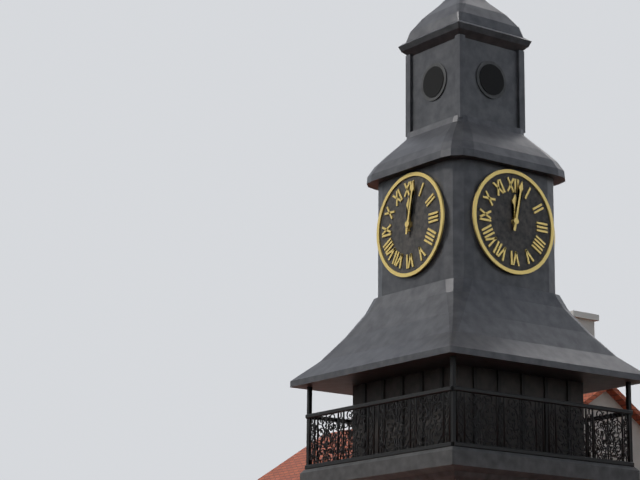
12:02
